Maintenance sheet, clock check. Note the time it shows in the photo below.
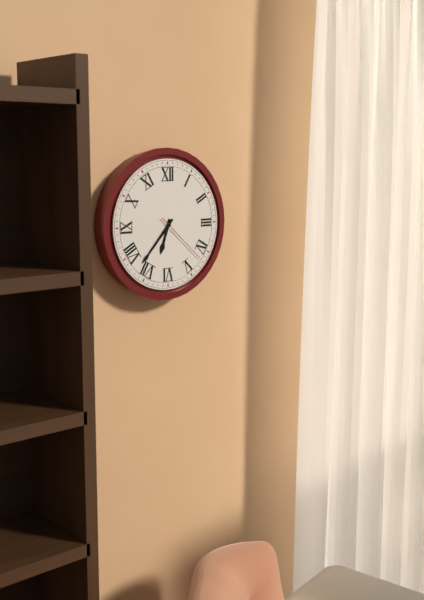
6:37:22
